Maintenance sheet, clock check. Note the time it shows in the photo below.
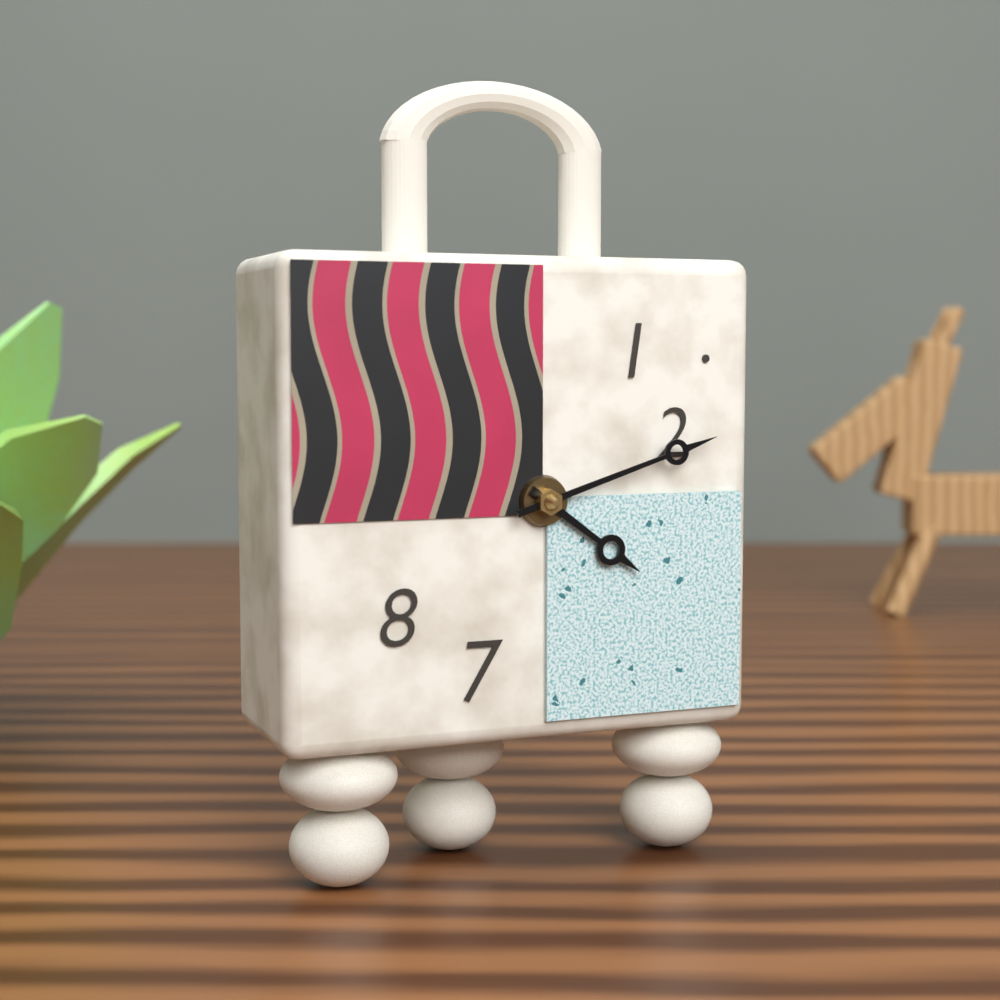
4:12
